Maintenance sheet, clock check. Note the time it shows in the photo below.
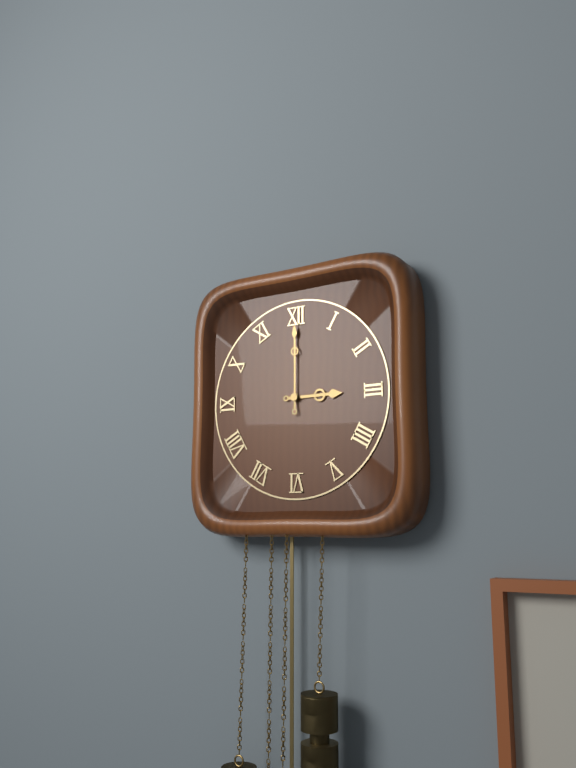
3:00
